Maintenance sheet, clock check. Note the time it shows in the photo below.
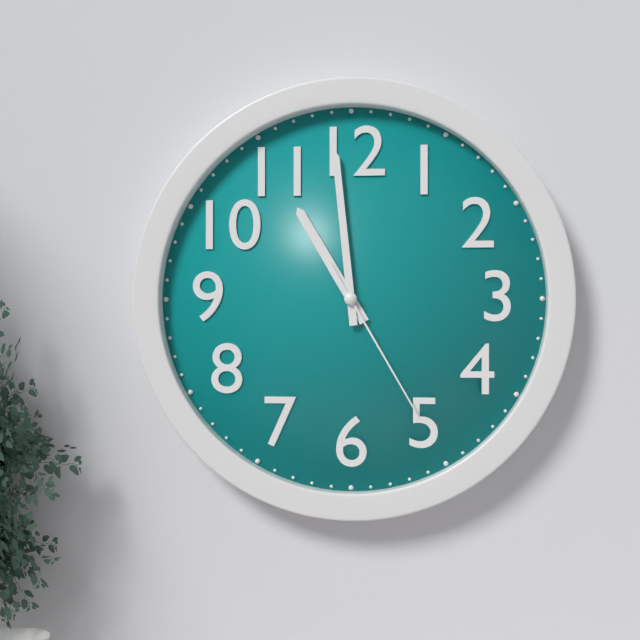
10:59:25
